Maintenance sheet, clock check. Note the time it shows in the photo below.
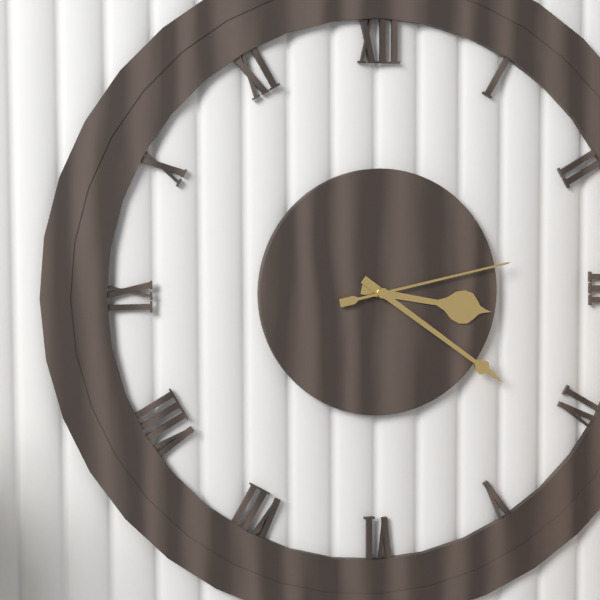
3:21:13
